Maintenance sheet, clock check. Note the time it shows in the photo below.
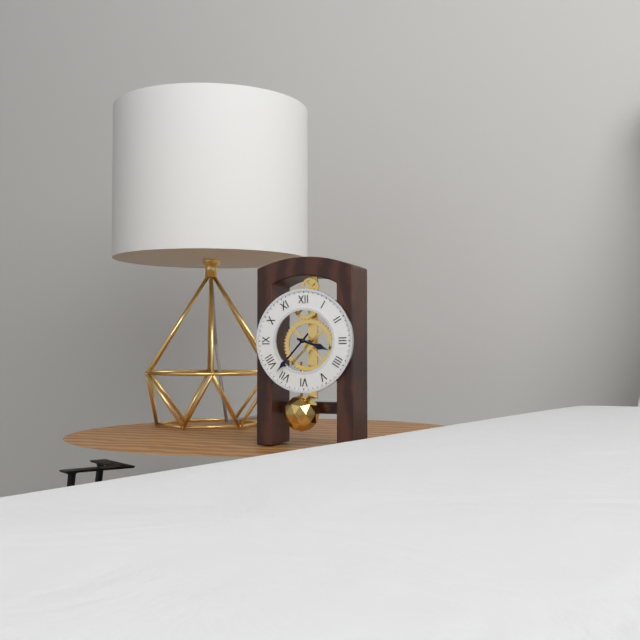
3:37
